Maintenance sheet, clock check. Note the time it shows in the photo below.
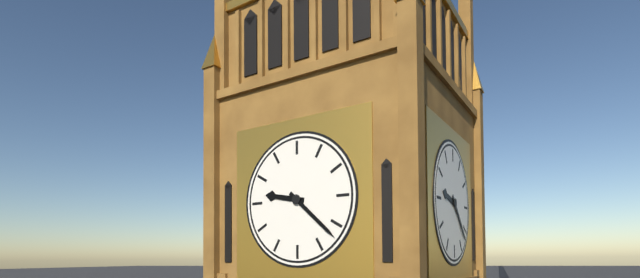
9:22
